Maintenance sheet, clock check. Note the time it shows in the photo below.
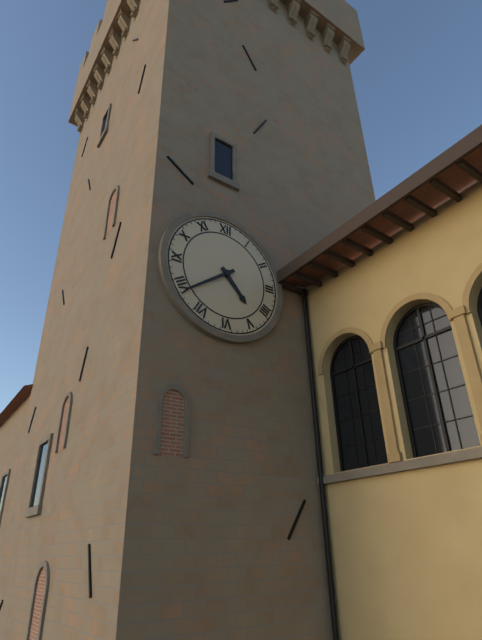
4:39
